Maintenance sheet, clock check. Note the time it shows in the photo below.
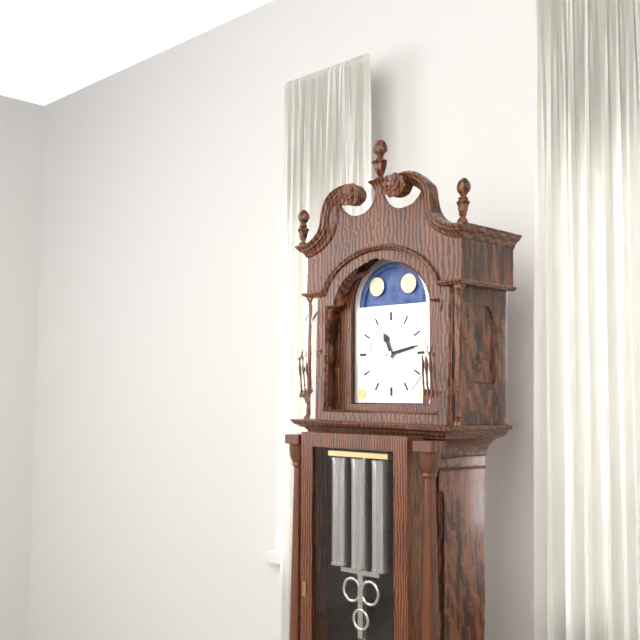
11:13
